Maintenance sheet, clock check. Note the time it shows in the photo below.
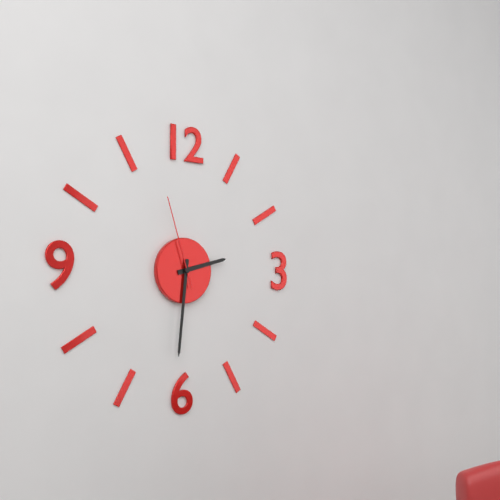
2:31:57
